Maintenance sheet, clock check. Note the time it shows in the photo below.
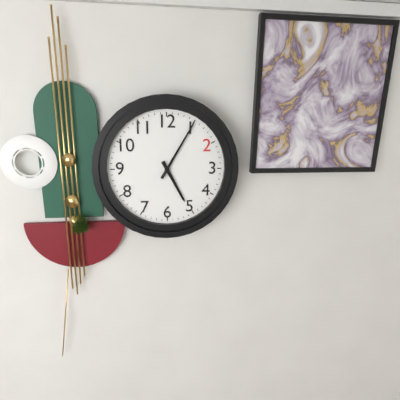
5:05
